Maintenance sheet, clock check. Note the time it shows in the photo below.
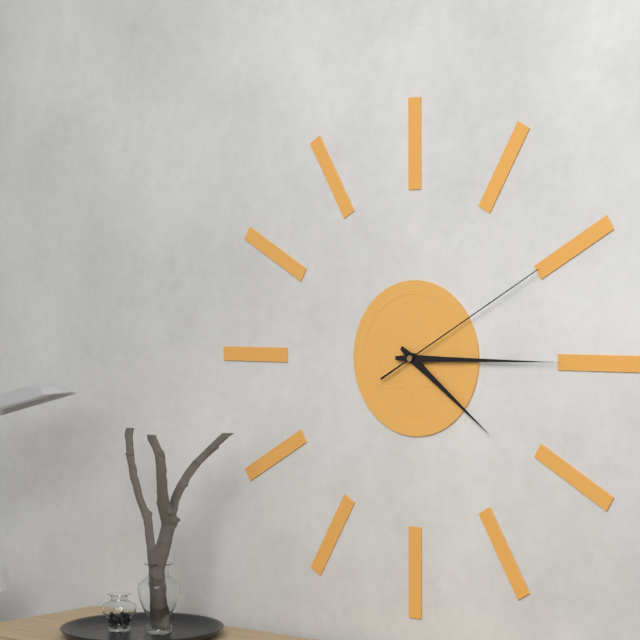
4:15:10
